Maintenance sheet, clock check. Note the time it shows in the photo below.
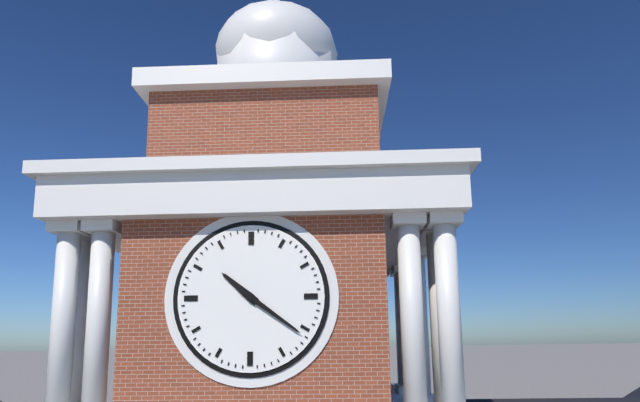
10:21
